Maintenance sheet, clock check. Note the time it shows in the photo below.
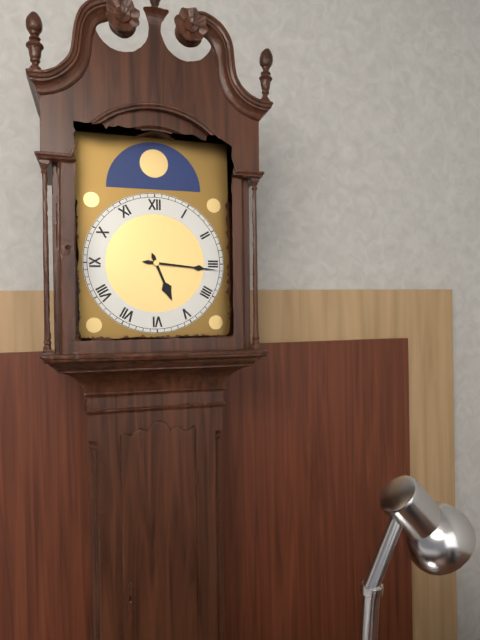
5:16
